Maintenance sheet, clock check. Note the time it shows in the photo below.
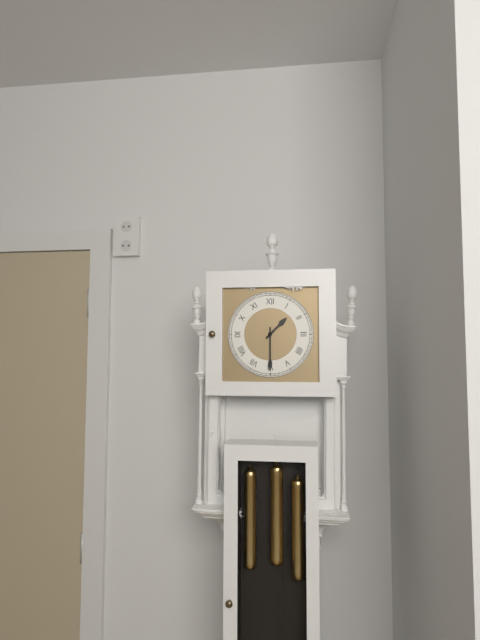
1:30
